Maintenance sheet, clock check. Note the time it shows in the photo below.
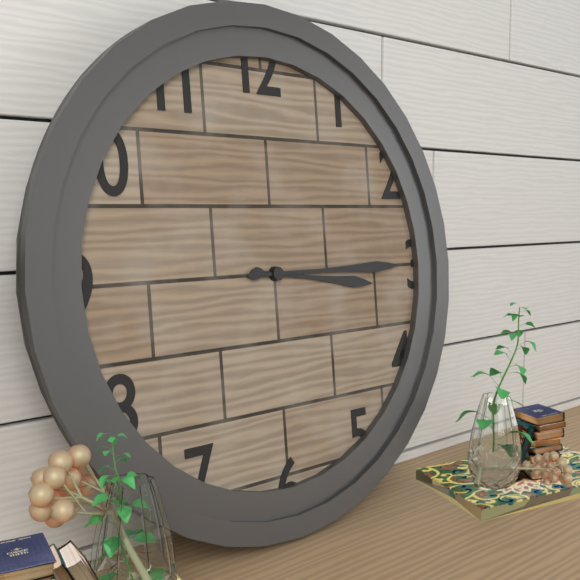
3:15
